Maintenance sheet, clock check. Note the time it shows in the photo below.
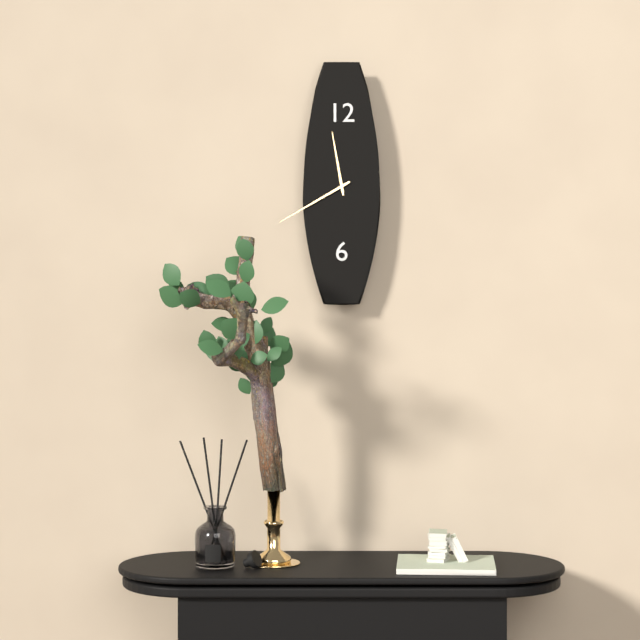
11:40
